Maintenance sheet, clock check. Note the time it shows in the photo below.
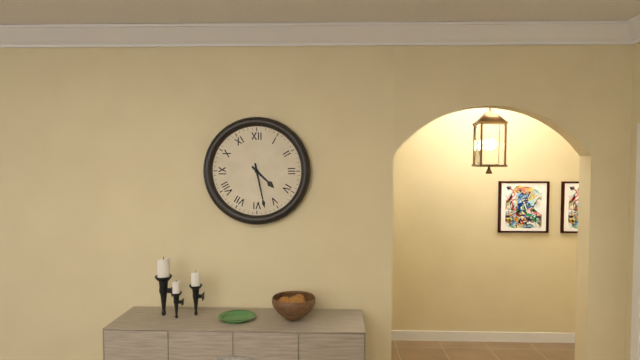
4:28
